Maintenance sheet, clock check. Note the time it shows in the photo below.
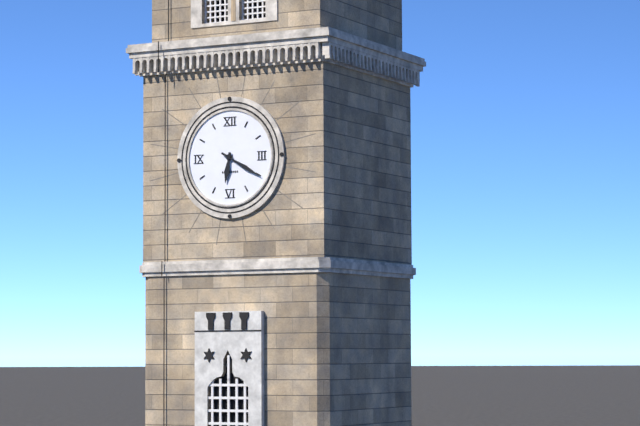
6:20
